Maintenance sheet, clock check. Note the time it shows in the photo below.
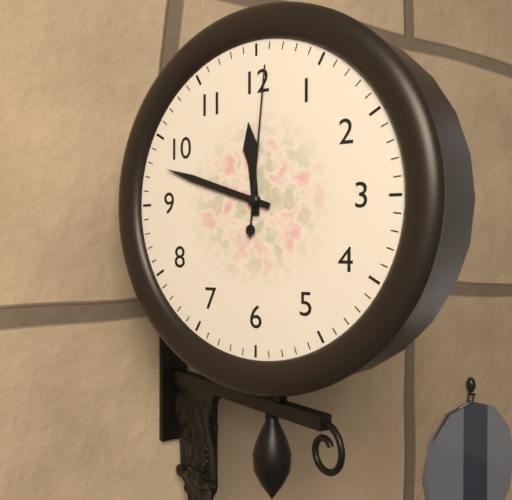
11:48:01
